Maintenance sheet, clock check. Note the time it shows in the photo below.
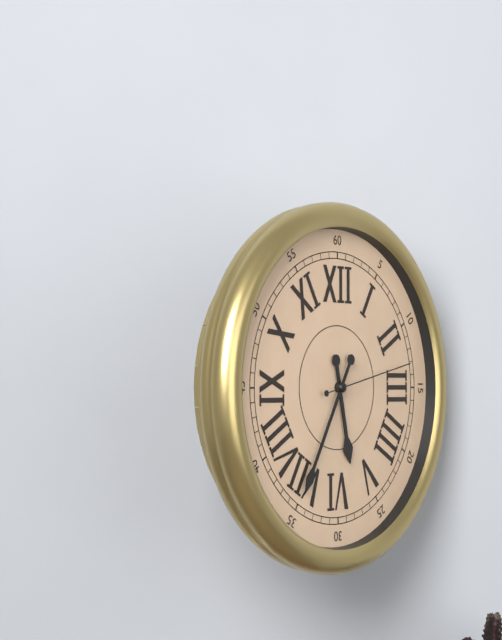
5:35:13
